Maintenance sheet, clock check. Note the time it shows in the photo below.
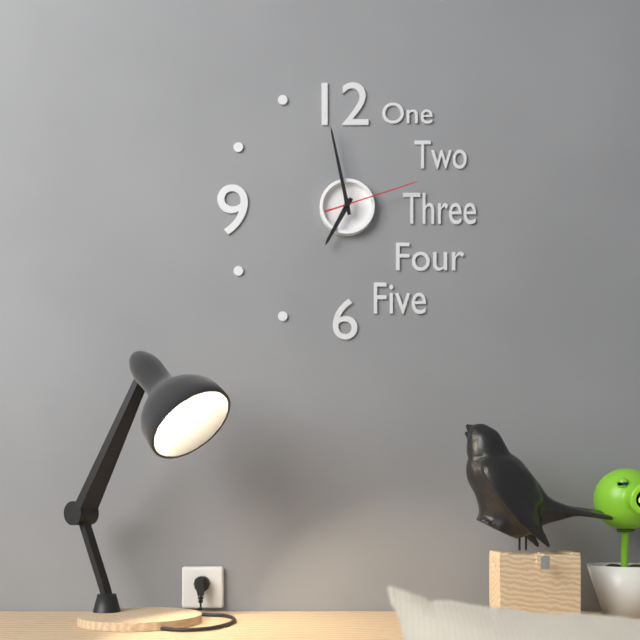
6:58:12
